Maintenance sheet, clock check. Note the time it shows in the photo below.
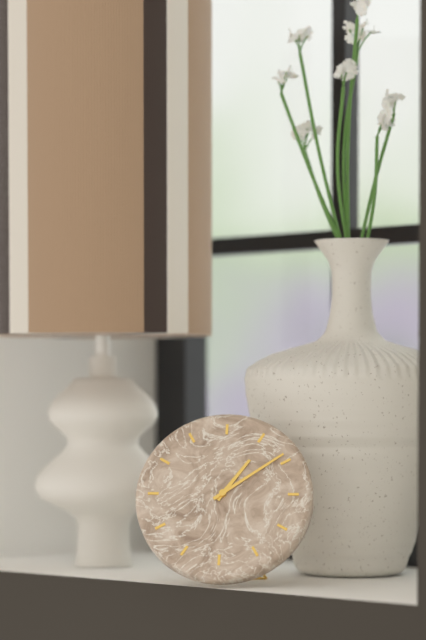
1:09
